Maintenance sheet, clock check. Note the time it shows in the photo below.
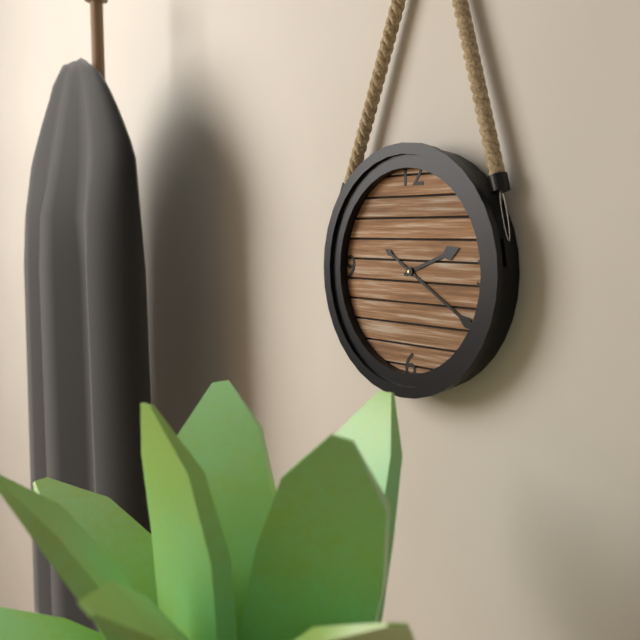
2:20
